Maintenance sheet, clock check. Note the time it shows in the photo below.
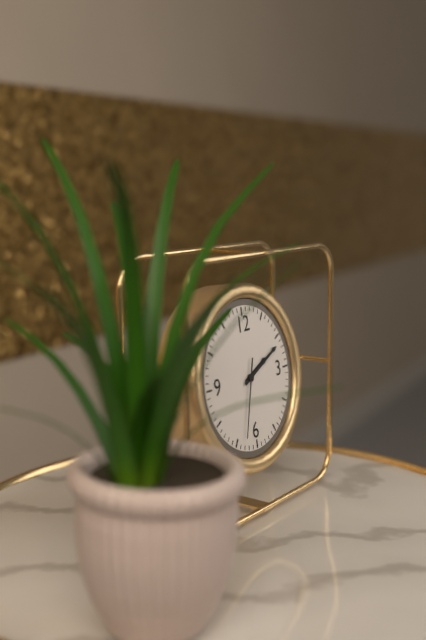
2:11:33
